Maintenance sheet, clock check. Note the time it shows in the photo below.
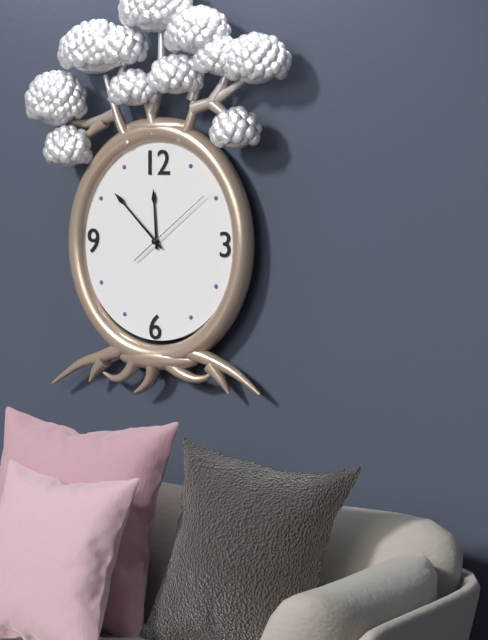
11:52:09
